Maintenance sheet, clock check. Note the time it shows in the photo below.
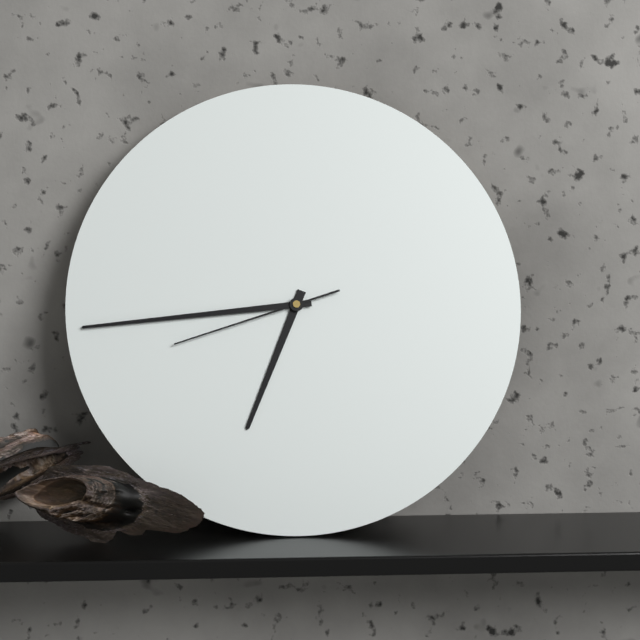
6:44:42
